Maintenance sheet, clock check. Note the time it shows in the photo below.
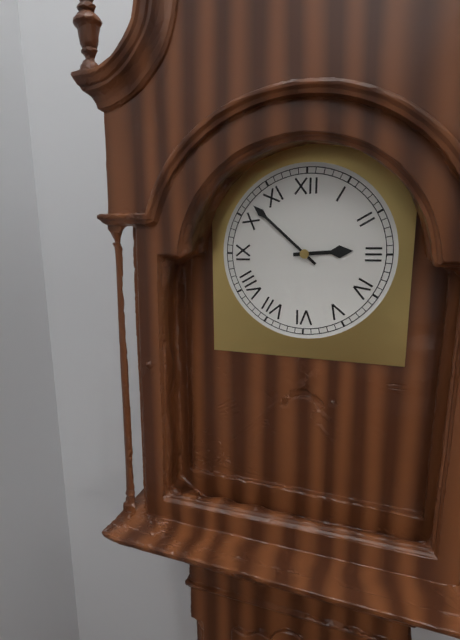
2:52
